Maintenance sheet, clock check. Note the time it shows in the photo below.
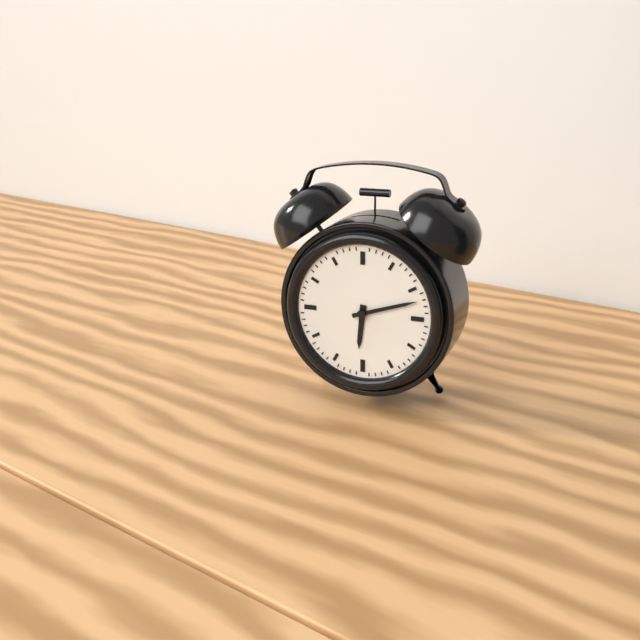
6:12
